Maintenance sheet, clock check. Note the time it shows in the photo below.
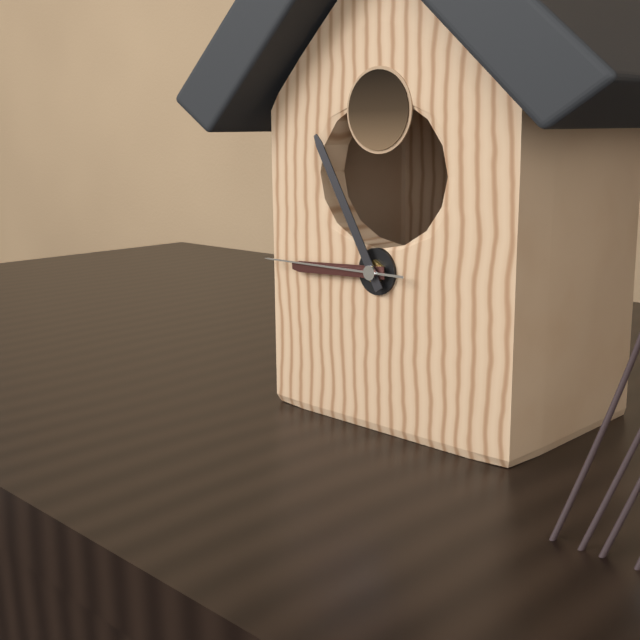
8:55:45
